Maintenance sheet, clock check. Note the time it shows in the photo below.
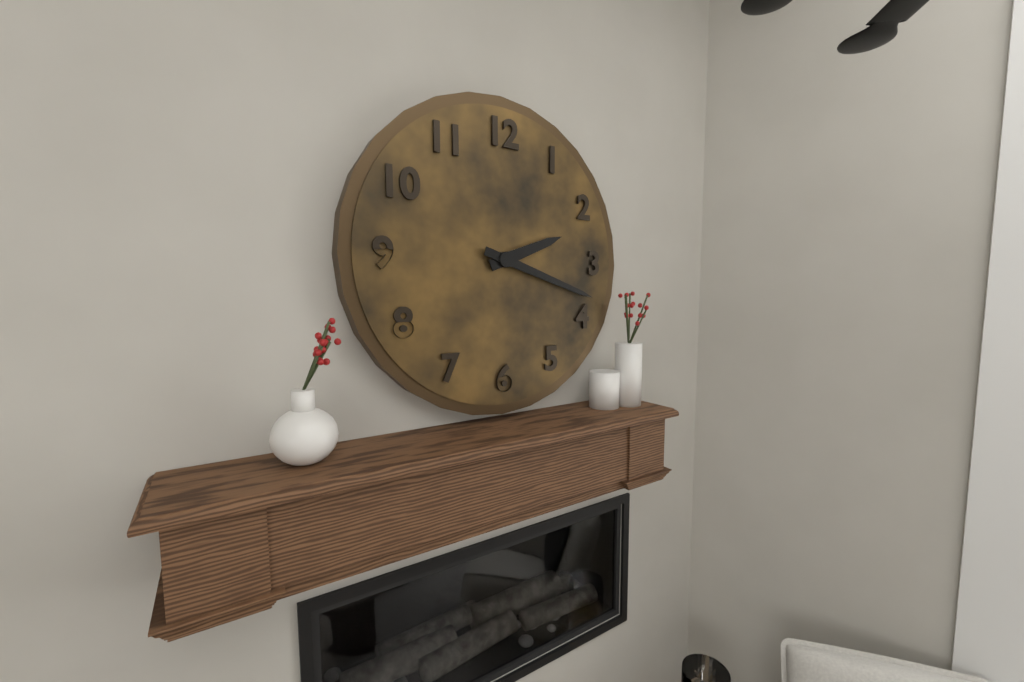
2:18
